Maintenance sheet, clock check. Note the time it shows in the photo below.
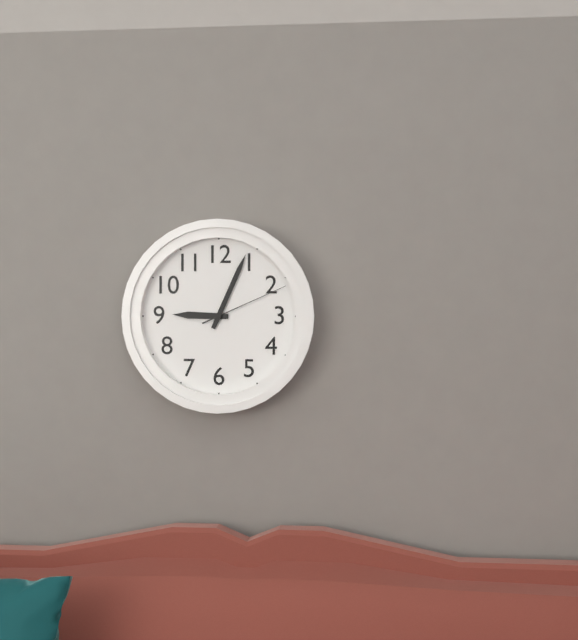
9:04:11
